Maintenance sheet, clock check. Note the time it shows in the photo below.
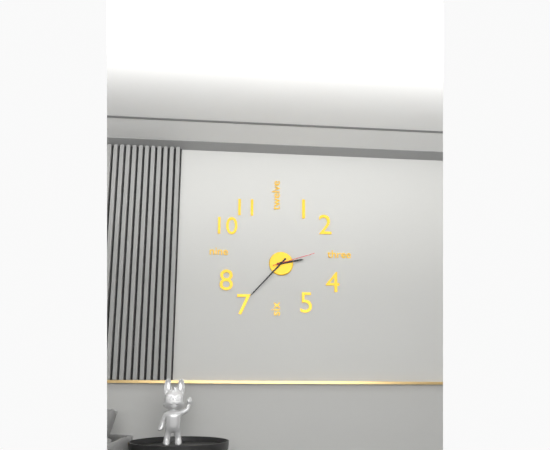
2:37
